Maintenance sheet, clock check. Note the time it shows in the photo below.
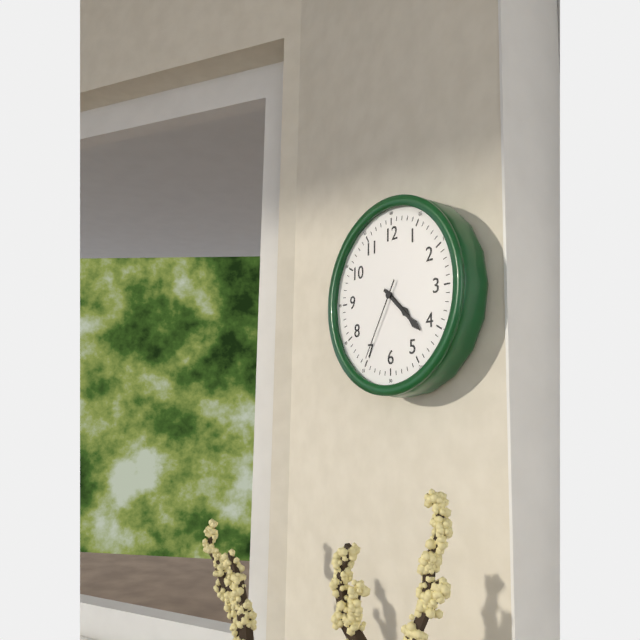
4:22:35
